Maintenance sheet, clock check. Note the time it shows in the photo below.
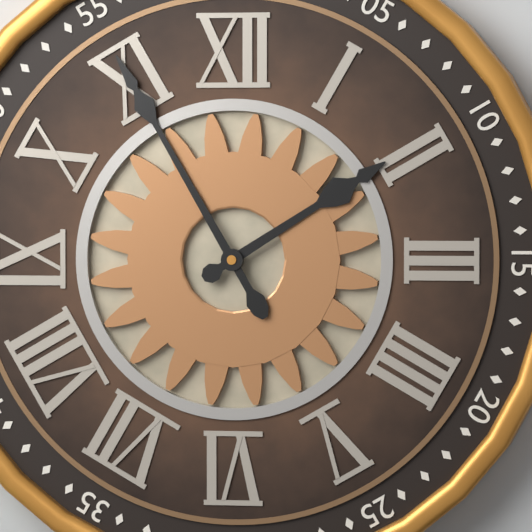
1:55
